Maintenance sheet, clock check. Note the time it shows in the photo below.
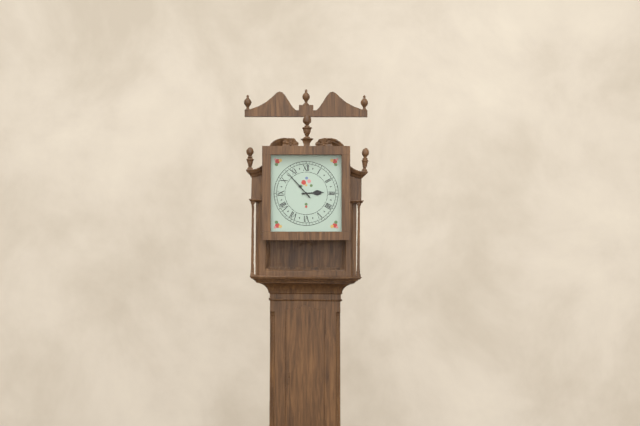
2:53
